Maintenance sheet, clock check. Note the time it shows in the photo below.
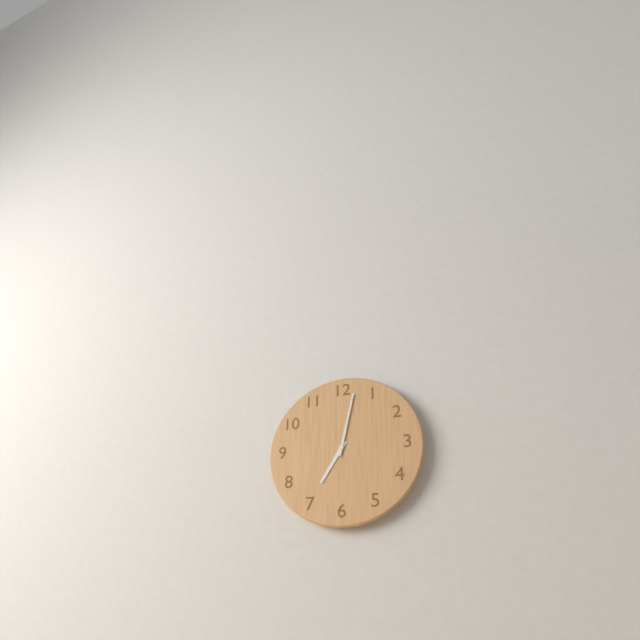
7:02
